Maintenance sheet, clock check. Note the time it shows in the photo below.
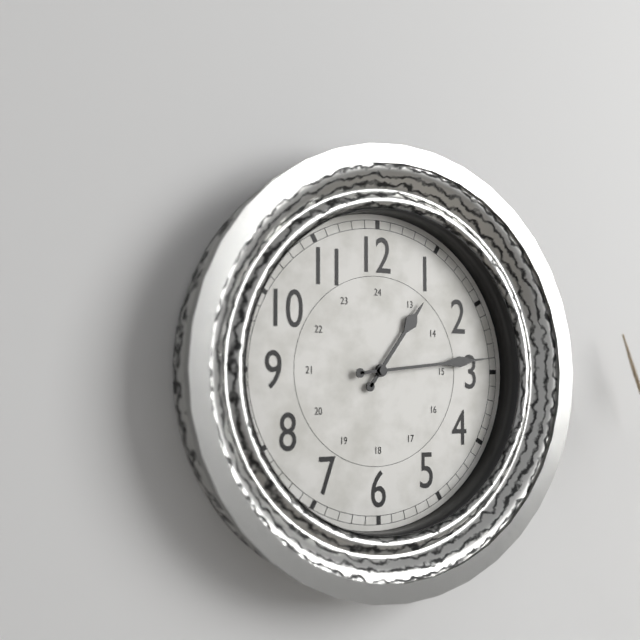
1:14
